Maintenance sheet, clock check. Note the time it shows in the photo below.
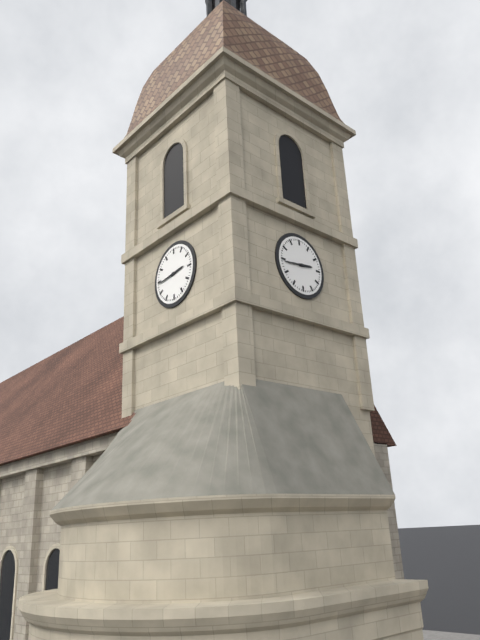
2:44
